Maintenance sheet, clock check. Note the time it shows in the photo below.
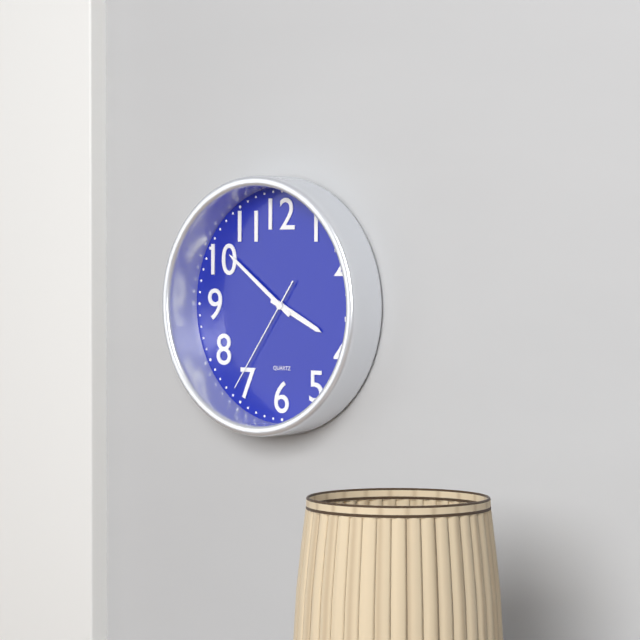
3:51:36
